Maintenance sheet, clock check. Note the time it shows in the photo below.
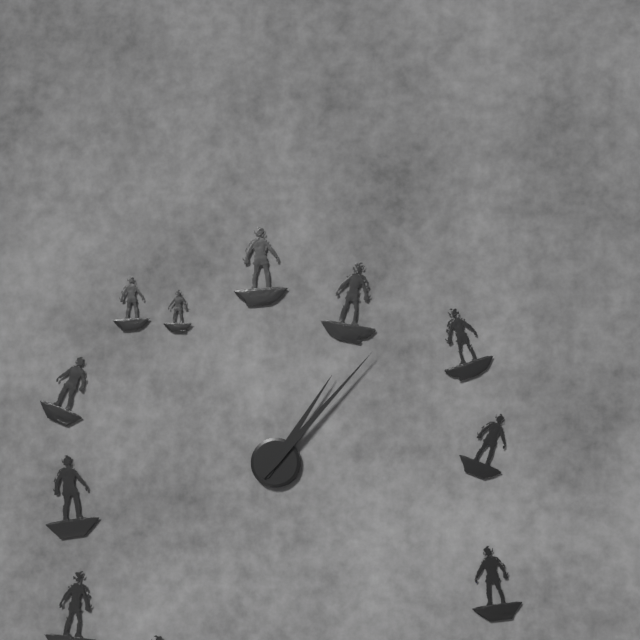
1:07
